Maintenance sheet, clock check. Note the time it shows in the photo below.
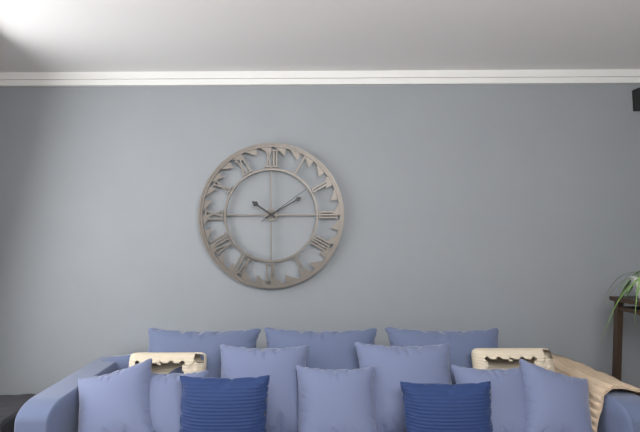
10:10:09
